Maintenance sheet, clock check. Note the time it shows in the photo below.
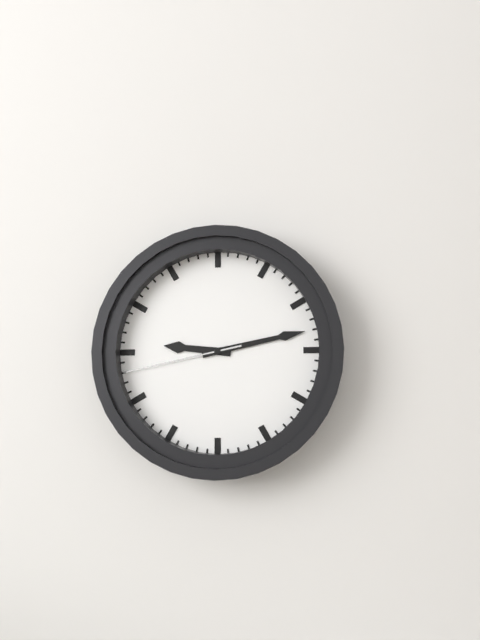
9:13:43
